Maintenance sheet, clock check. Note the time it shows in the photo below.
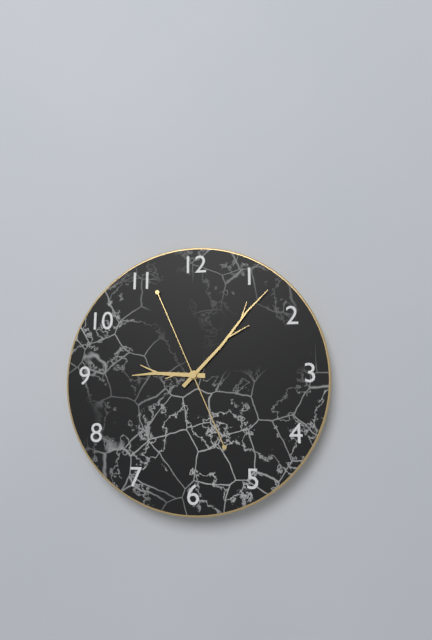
9:07:56
